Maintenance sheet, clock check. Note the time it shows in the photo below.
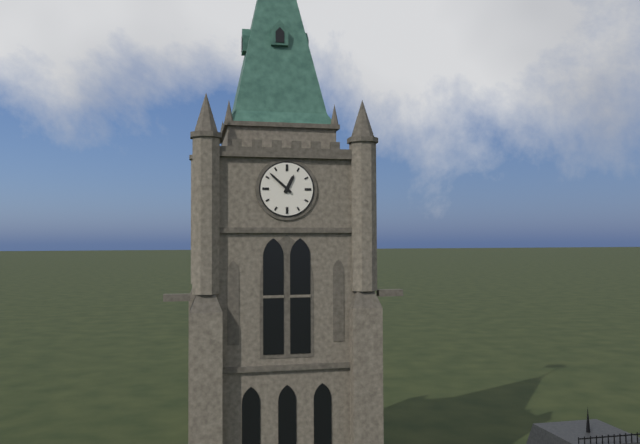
12:52
